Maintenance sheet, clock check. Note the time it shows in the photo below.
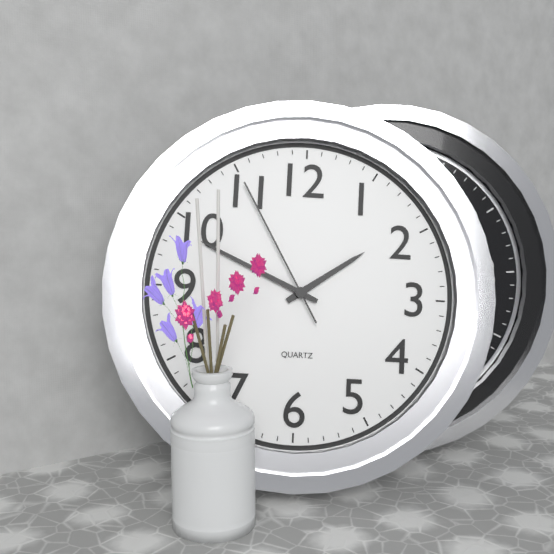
1:49:55
